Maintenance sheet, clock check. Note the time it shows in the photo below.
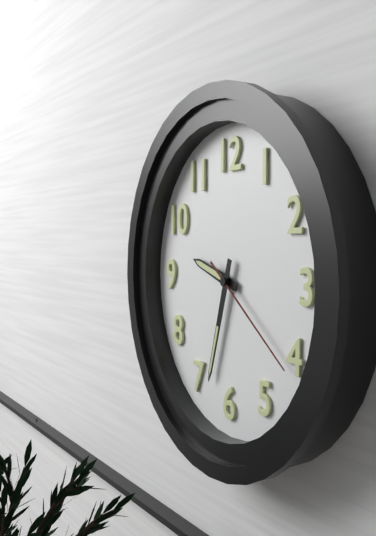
9:33:21
